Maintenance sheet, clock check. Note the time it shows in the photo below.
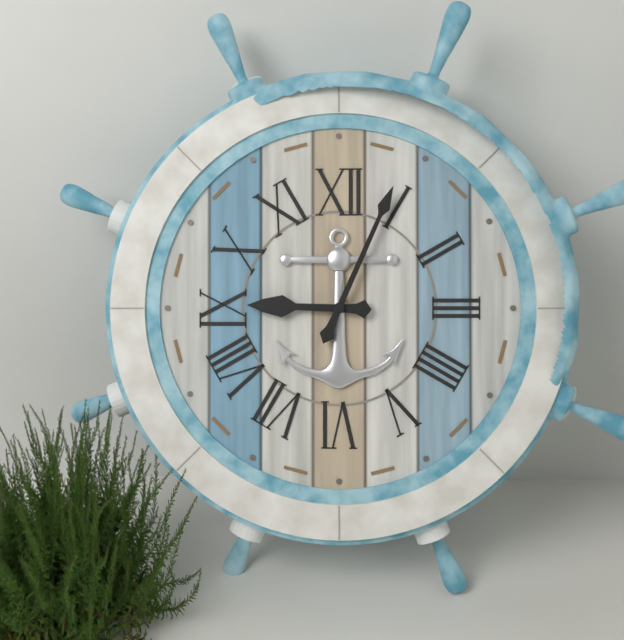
9:04
